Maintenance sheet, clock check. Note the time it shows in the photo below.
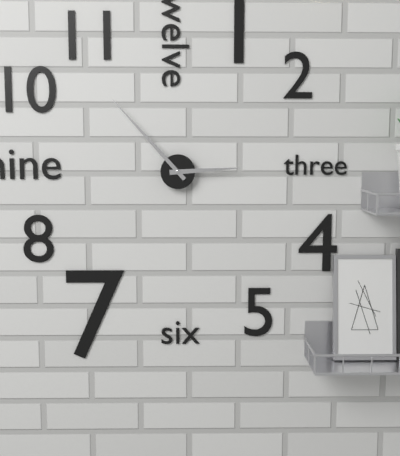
2:53
